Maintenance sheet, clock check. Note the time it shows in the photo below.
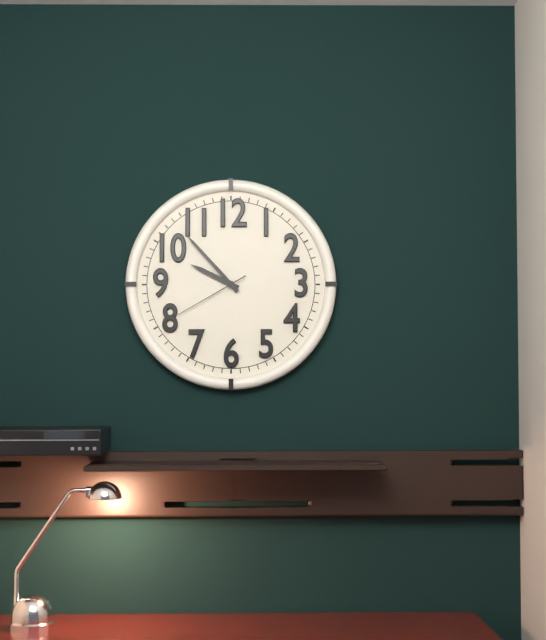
9:53:40
